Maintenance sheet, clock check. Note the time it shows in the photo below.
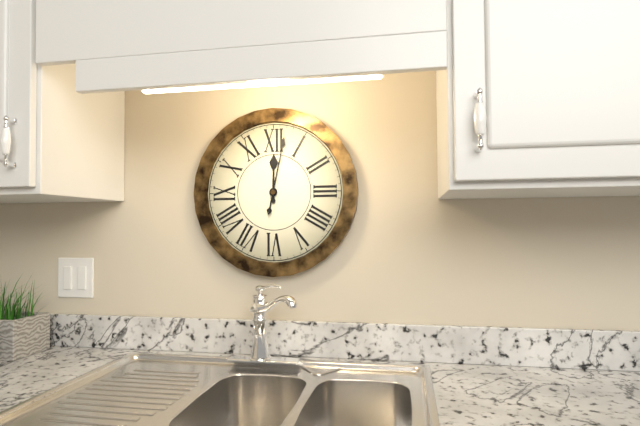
12:02
